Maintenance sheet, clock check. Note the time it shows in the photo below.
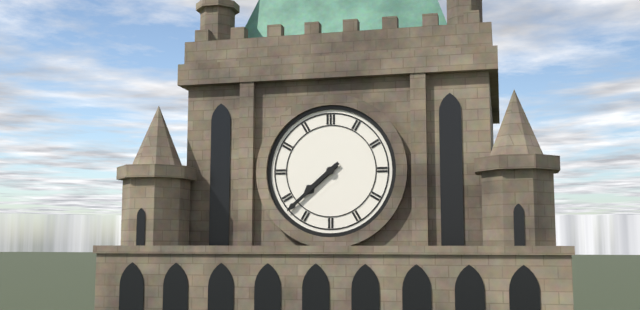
7:38
